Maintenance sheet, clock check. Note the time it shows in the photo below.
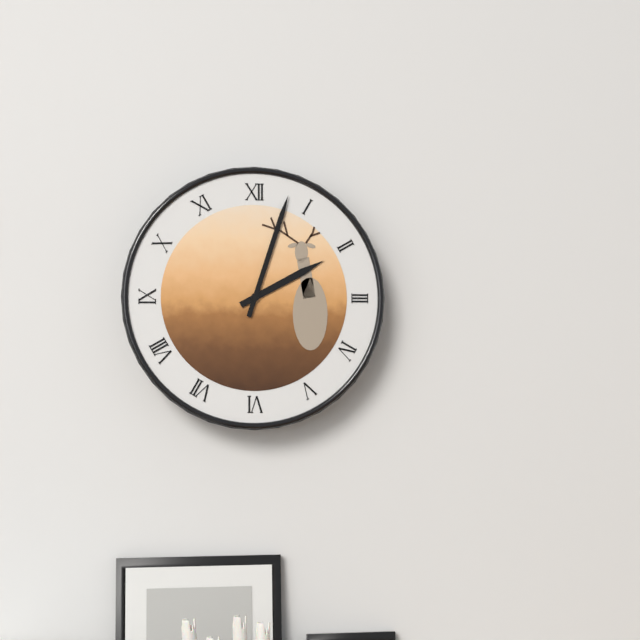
2:03
